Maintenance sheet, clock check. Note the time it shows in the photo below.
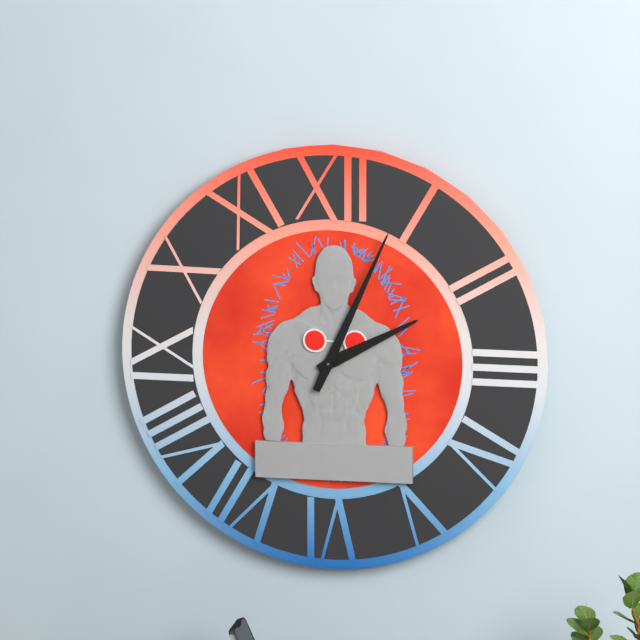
2:04
